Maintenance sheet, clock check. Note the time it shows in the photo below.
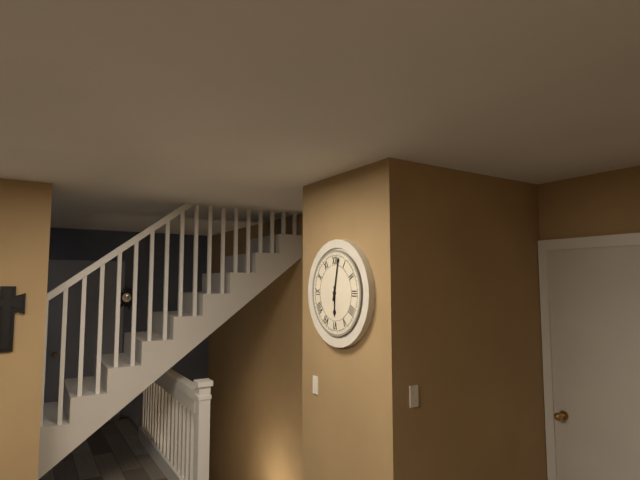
6:02
